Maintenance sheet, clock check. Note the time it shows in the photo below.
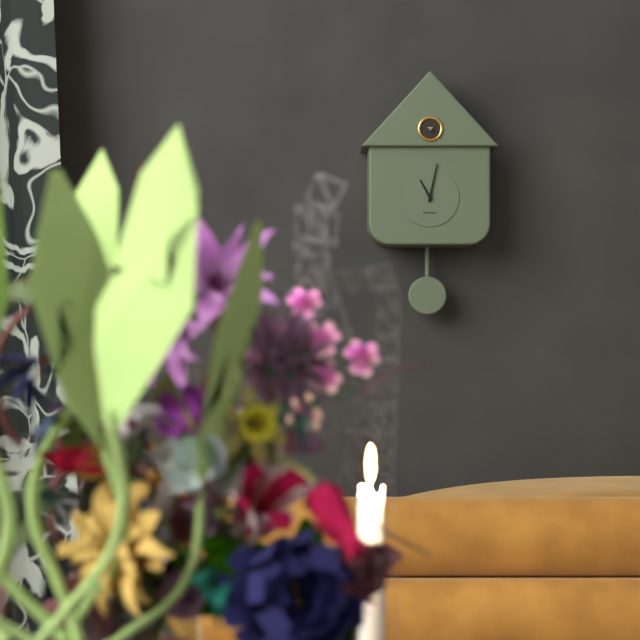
11:02
